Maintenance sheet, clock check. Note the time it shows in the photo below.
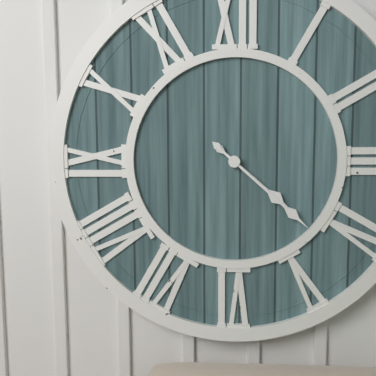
4:22
